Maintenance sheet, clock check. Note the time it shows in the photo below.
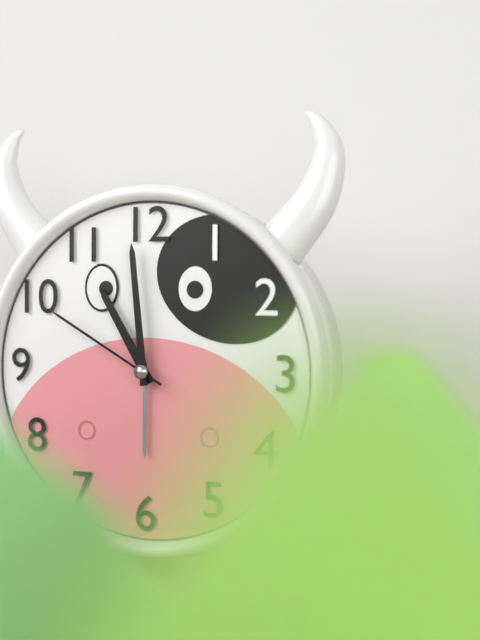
10:59:50
